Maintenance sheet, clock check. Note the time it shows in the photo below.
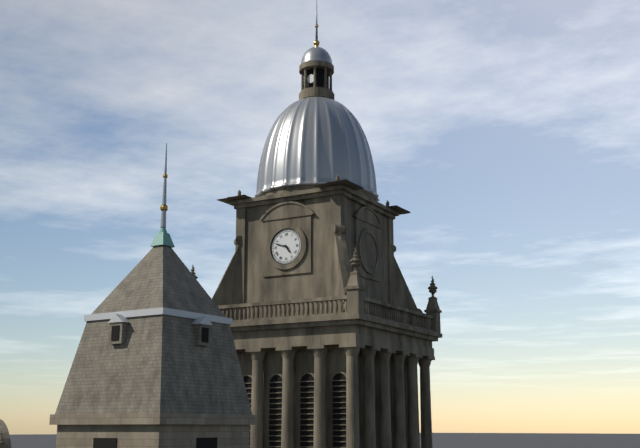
4:48
